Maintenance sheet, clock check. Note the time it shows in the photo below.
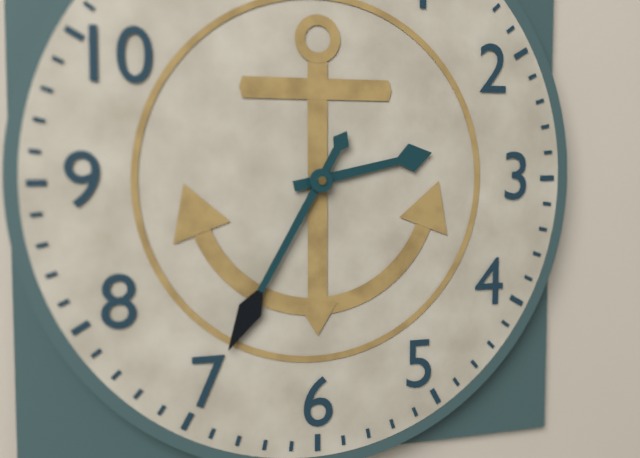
2:35
